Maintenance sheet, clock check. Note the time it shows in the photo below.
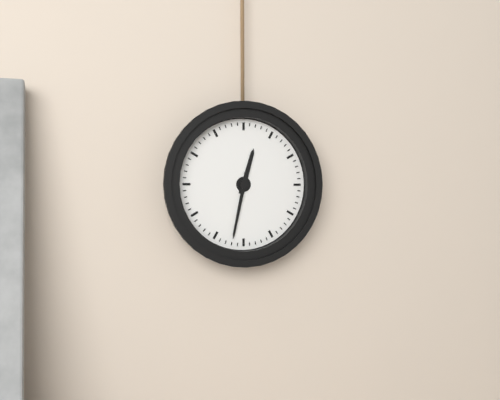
12:32
